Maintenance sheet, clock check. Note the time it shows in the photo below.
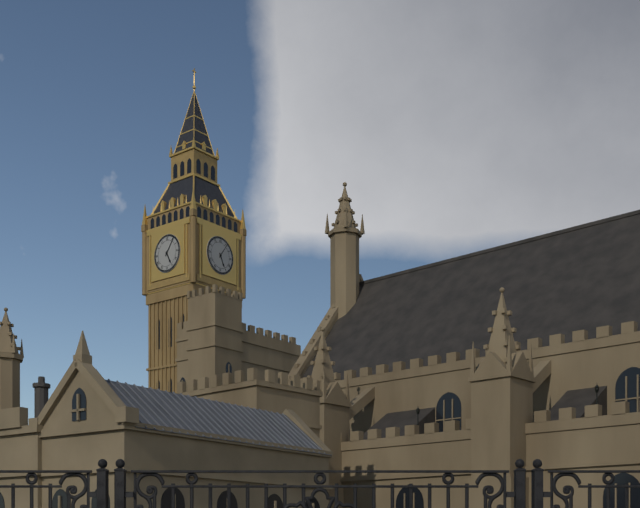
5:06
